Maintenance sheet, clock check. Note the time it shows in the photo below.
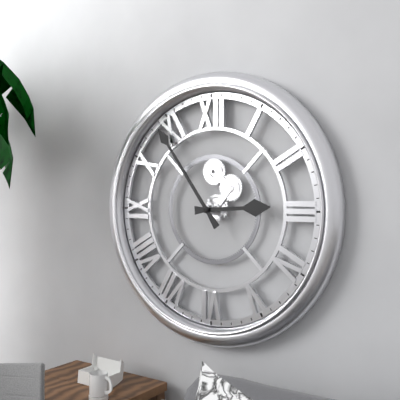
2:54
